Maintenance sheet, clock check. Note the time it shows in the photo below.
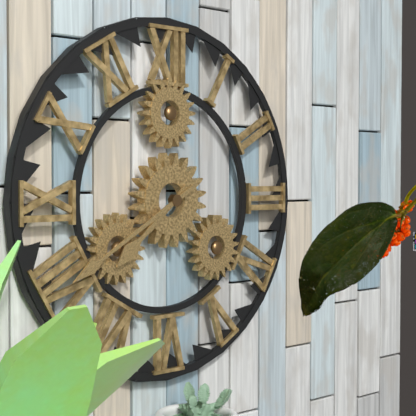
7:40
